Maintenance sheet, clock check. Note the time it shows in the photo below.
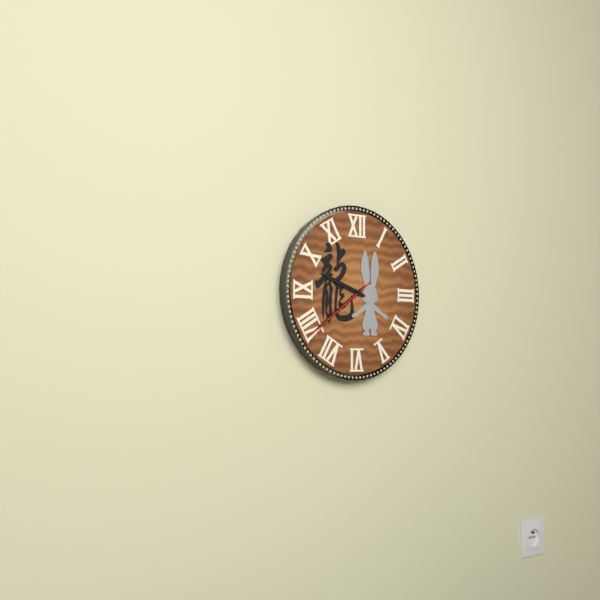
9:39:39
